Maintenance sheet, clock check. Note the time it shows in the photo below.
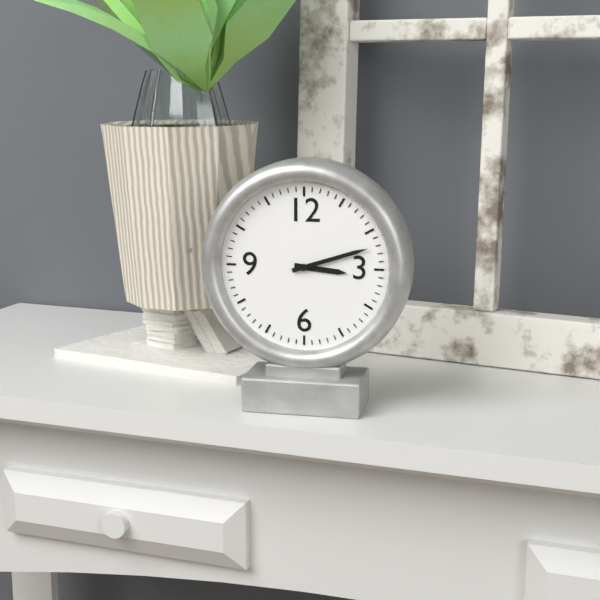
3:12
